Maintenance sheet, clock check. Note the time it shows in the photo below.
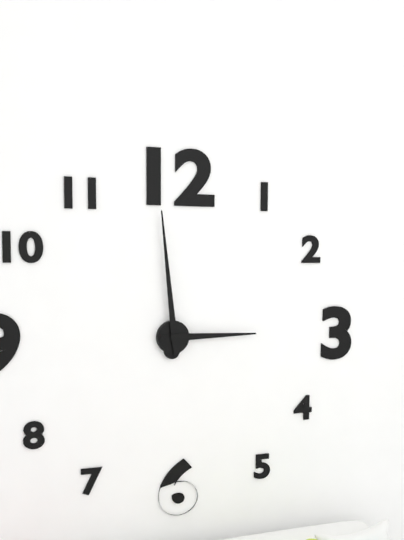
2:59
